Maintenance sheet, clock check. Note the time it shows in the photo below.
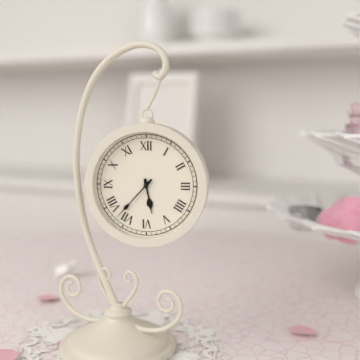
5:37
